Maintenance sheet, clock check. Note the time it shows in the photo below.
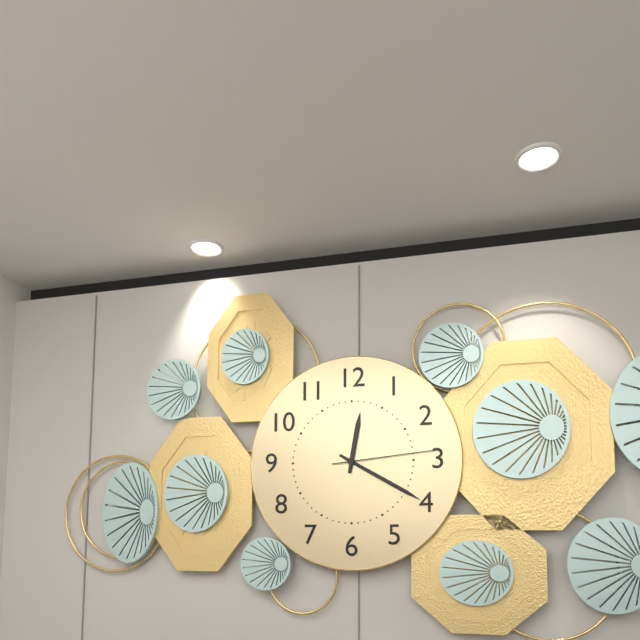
12:20:14
